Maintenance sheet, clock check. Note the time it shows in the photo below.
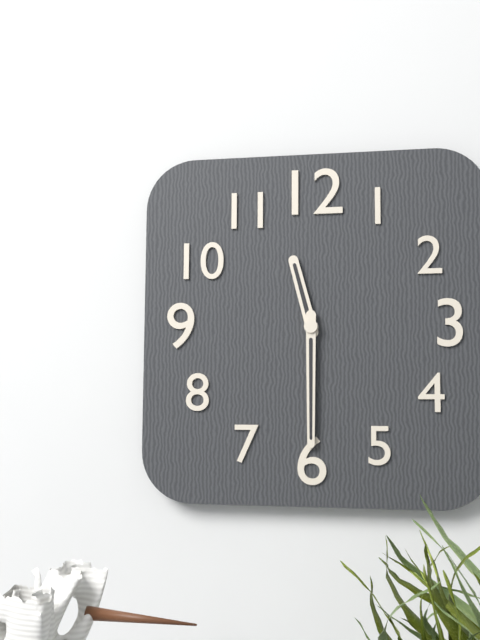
11:30
